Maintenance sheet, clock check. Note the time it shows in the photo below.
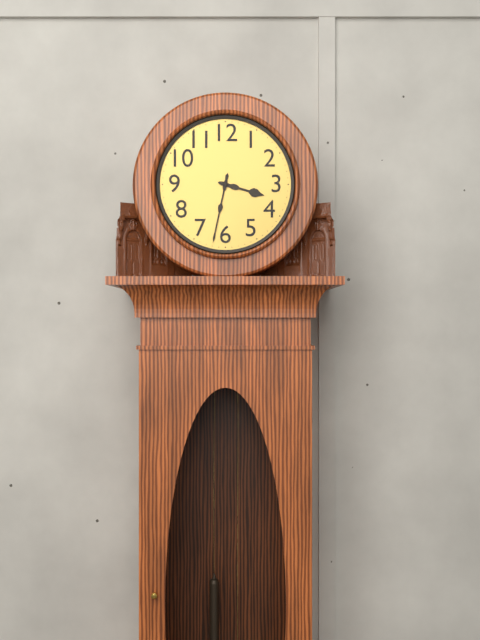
3:32
